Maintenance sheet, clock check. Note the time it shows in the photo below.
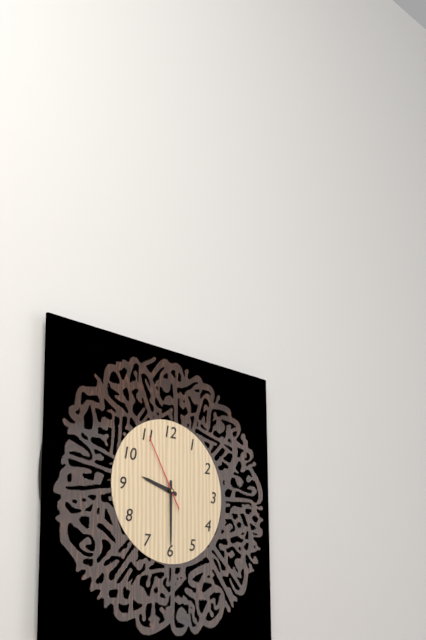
9:30:55
